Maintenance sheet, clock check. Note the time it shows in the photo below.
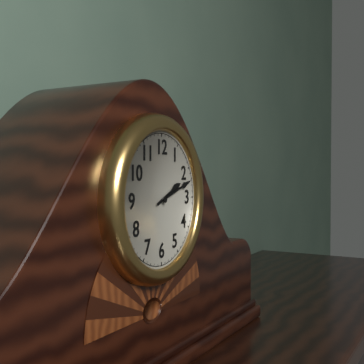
2:12
